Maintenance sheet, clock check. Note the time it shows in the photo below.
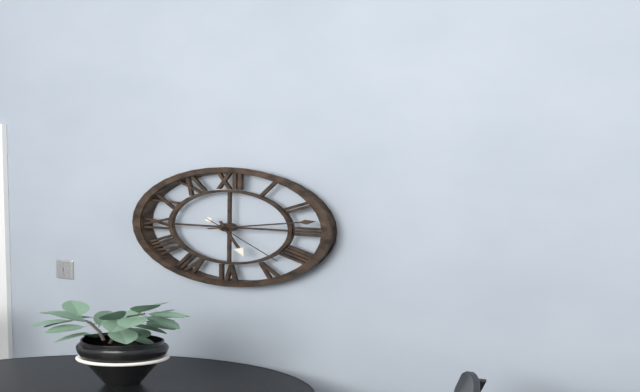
5:13:22
